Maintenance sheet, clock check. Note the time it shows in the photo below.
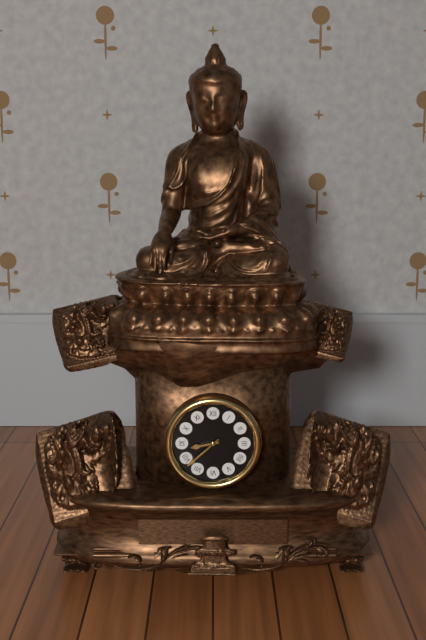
8:38
